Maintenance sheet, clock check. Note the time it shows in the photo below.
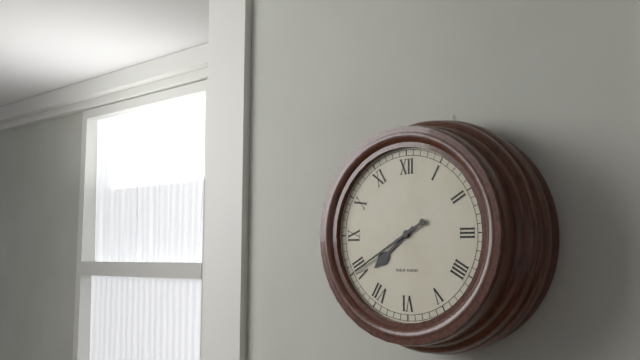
7:40
